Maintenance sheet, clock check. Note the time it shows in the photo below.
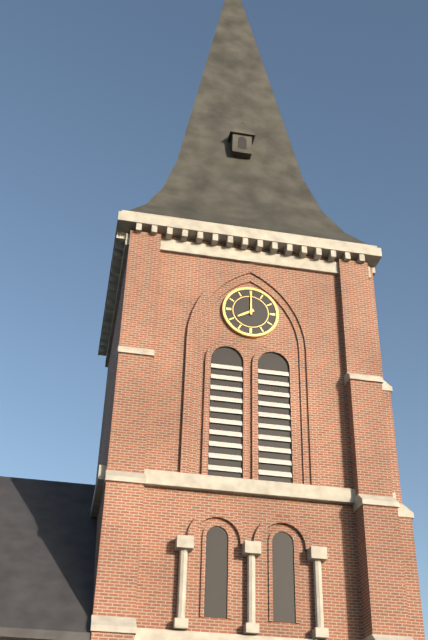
8:00
